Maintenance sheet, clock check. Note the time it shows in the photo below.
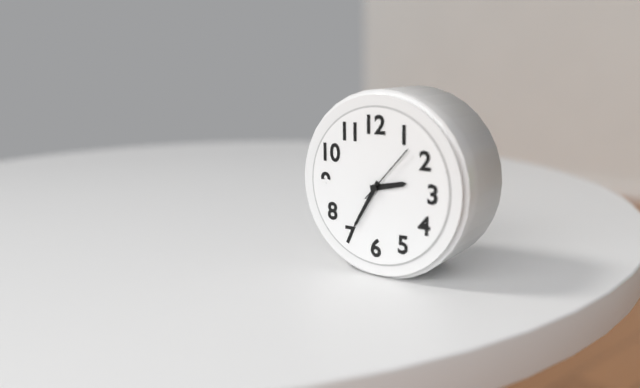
2:35:07
